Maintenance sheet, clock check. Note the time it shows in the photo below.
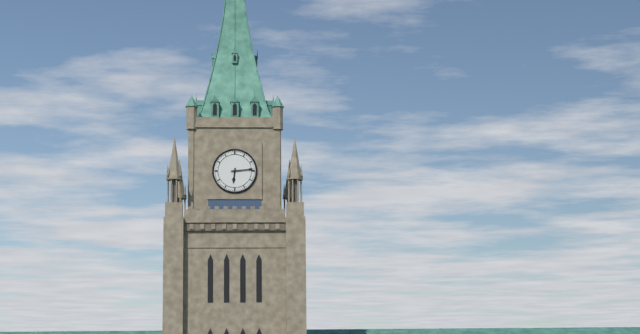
6:14
